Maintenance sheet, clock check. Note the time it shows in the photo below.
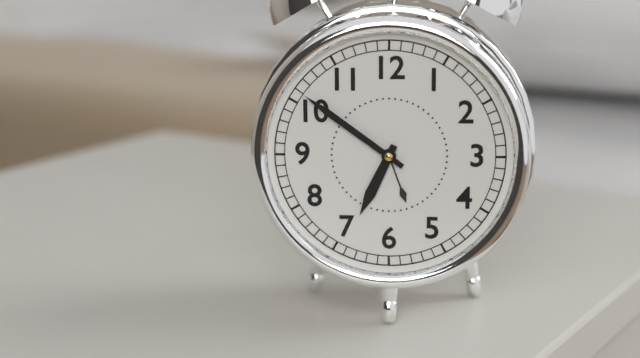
6:51
